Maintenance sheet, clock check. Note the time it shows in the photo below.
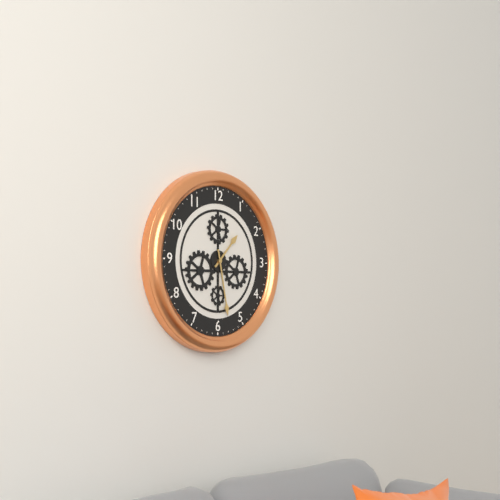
1:28
